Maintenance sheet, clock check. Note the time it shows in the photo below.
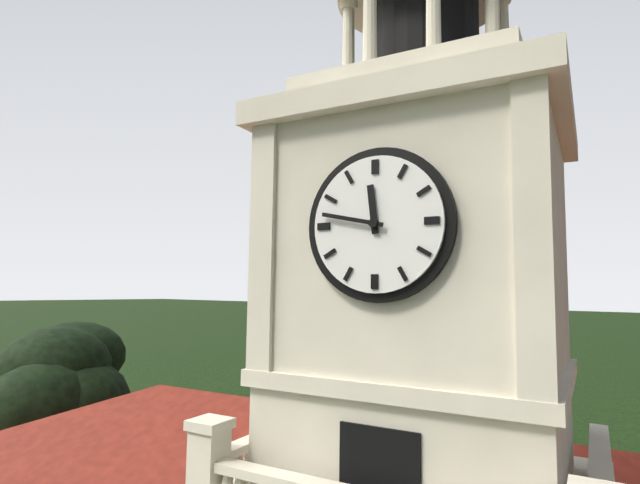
11:47
